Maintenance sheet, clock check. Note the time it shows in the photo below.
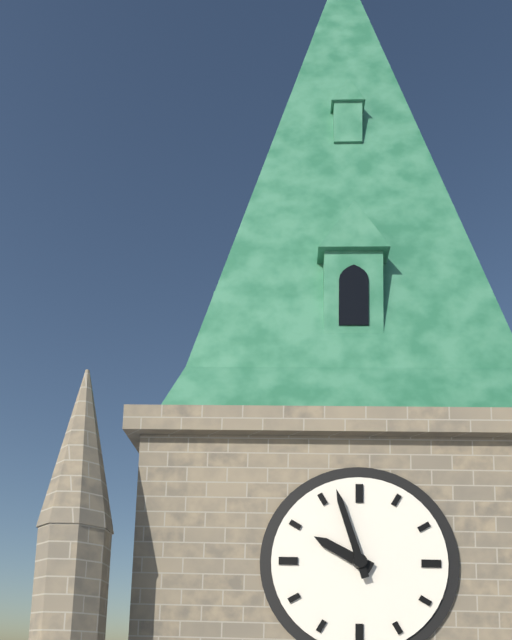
9:57
